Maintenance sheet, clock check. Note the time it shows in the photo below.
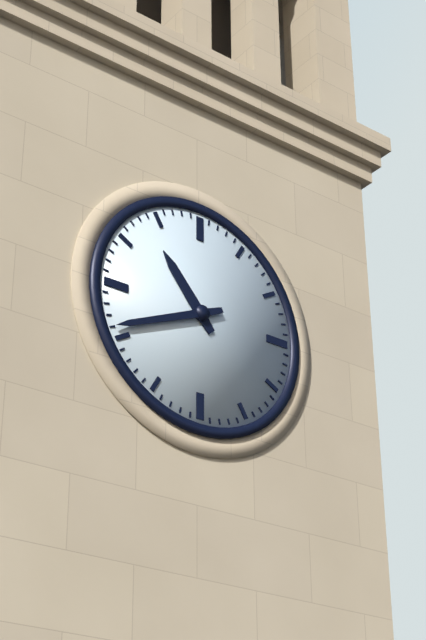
10:41
